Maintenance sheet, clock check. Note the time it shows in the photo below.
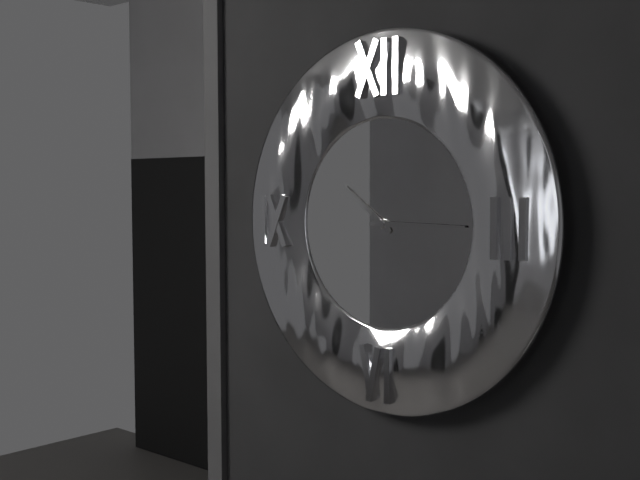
10:15
